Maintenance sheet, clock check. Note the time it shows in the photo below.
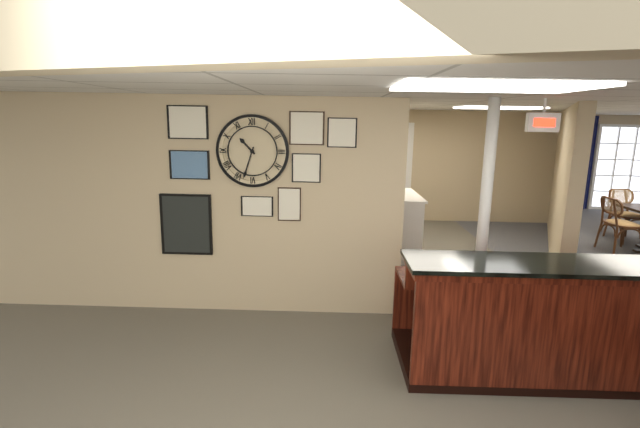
10:33
